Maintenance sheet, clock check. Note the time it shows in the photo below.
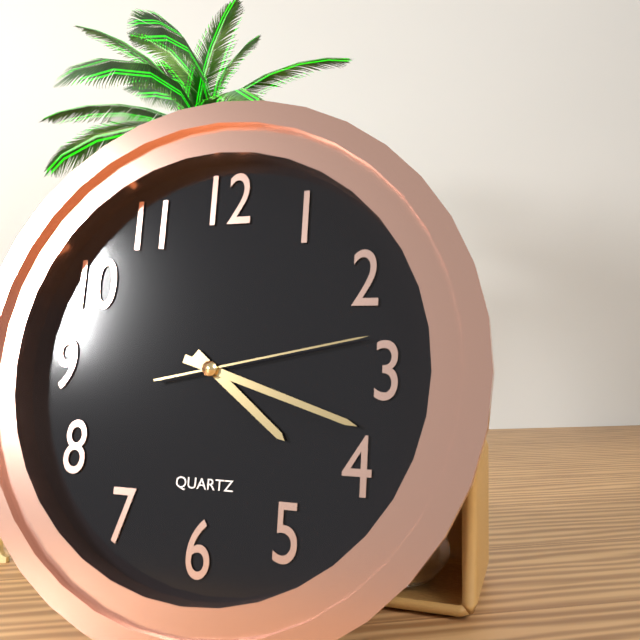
4:18:13
